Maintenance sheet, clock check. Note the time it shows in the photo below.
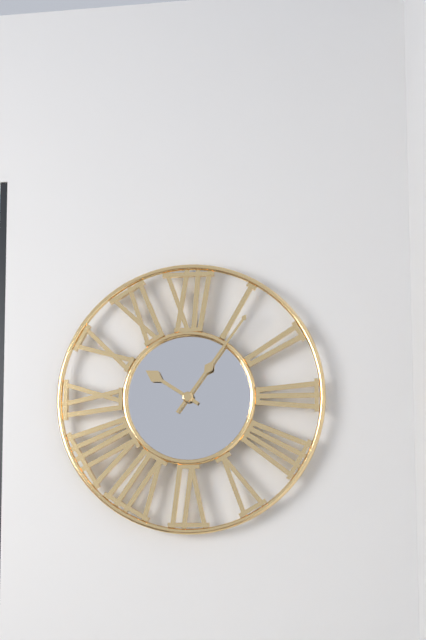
10:06
